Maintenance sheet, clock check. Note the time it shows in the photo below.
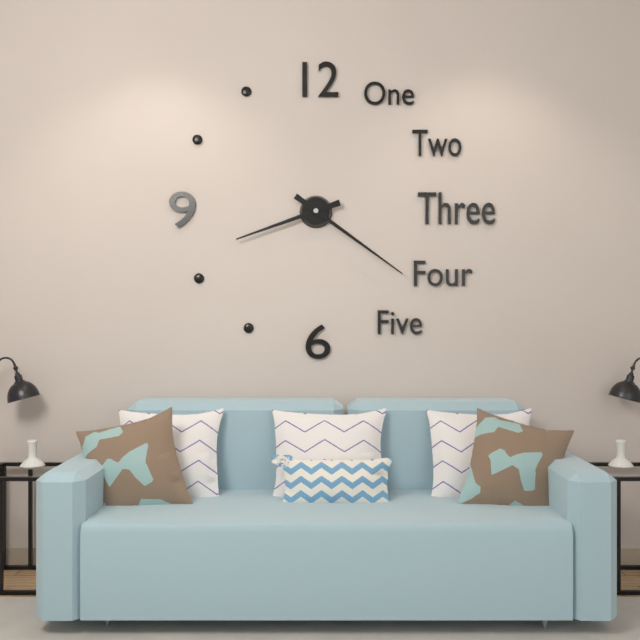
8:21
